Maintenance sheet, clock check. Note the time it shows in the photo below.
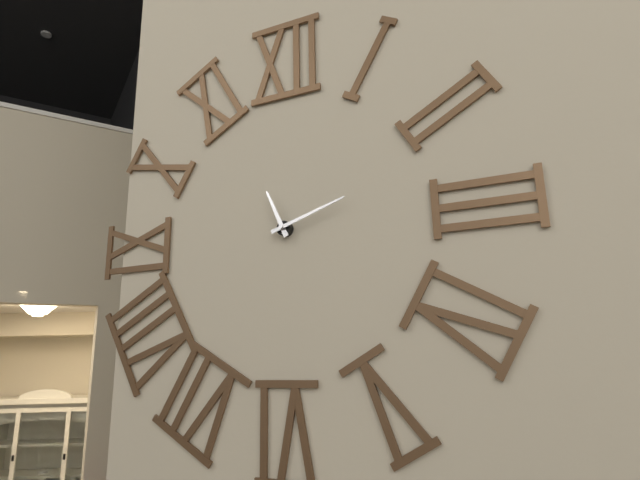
11:12
